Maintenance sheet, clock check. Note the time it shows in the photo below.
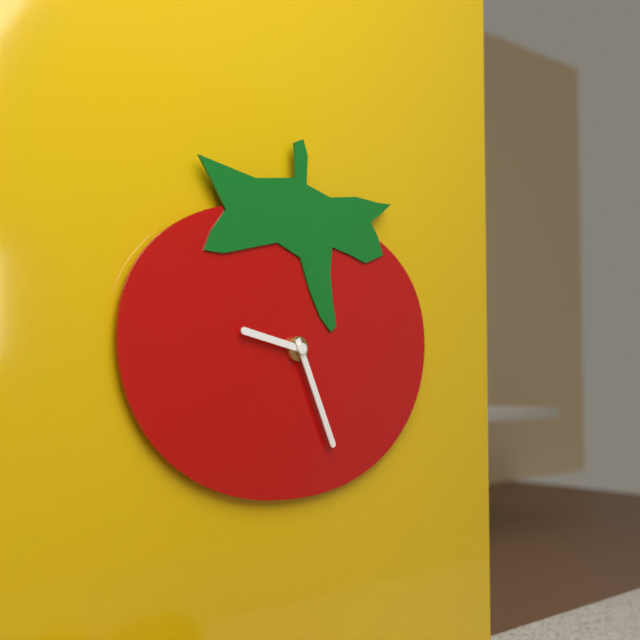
9:26
